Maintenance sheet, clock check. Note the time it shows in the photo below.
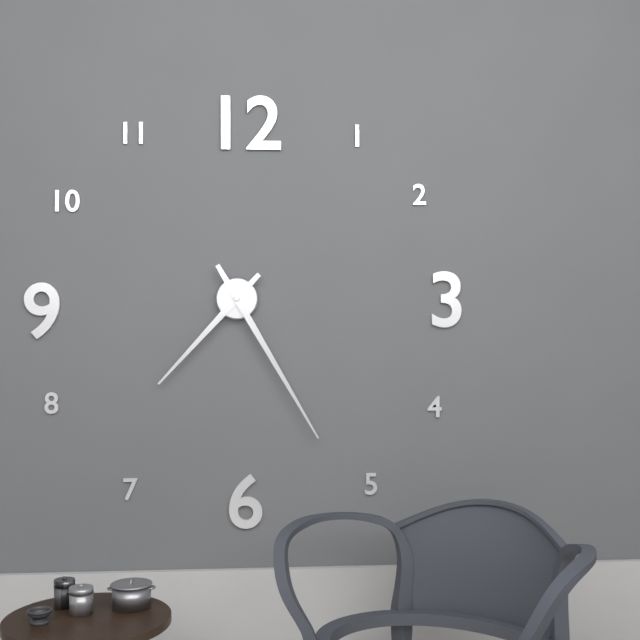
7:25
